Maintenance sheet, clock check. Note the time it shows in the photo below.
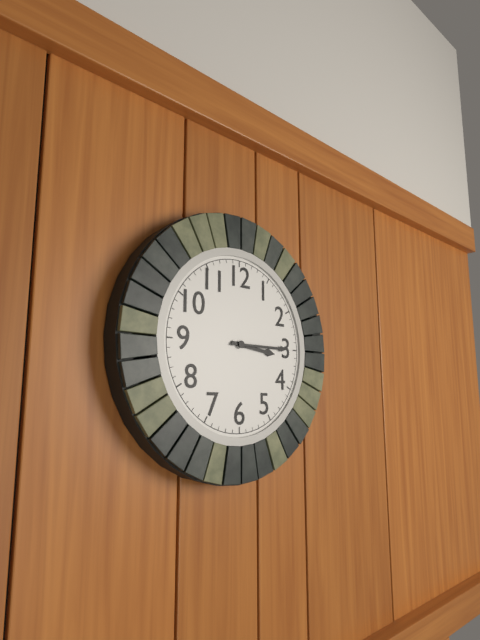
3:15
